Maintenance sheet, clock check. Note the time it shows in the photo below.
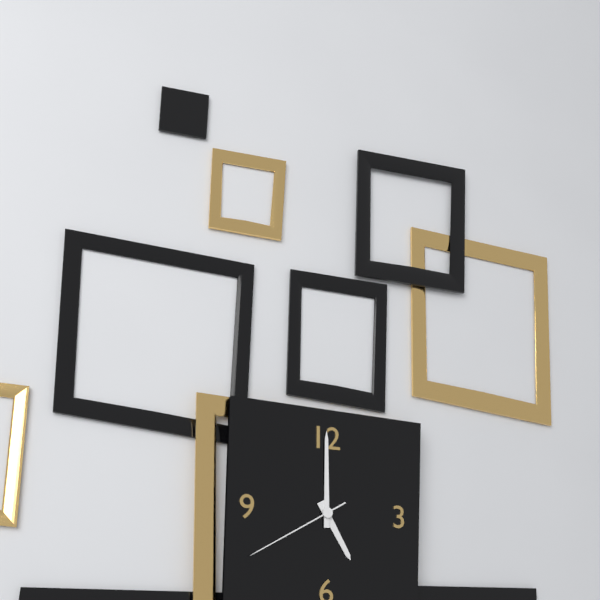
5:00:40
